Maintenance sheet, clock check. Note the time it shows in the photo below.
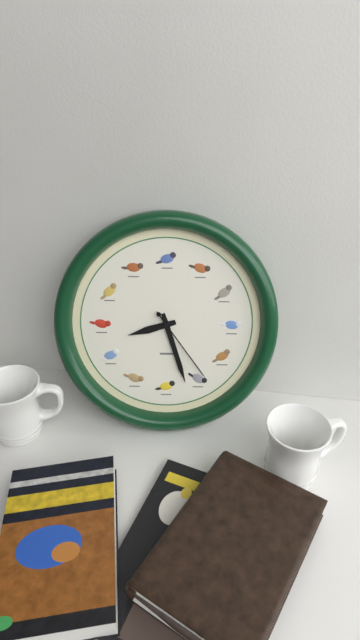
8:27:24
